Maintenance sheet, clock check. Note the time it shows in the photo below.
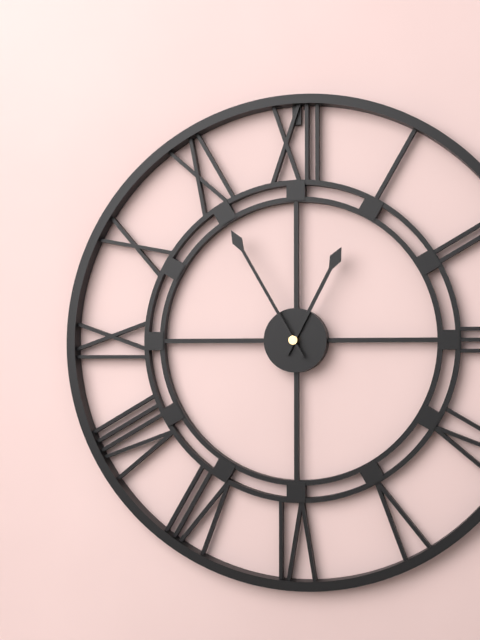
12:55
